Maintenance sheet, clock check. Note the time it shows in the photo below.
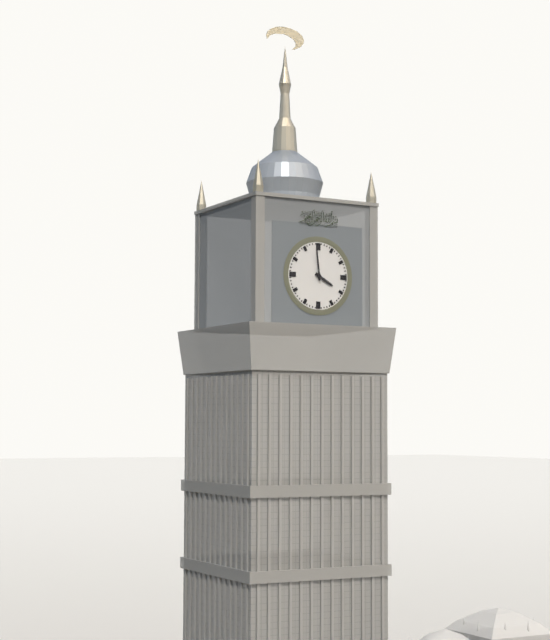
3:59
